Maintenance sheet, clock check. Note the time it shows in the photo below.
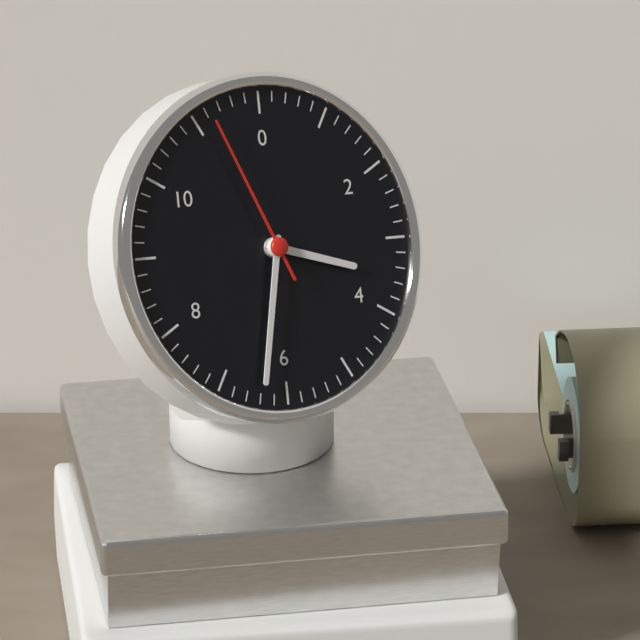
3:32:56
